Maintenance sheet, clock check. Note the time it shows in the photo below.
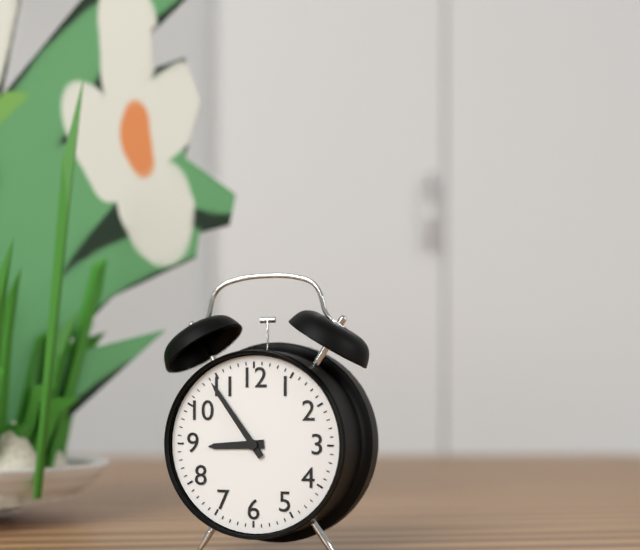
8:54
